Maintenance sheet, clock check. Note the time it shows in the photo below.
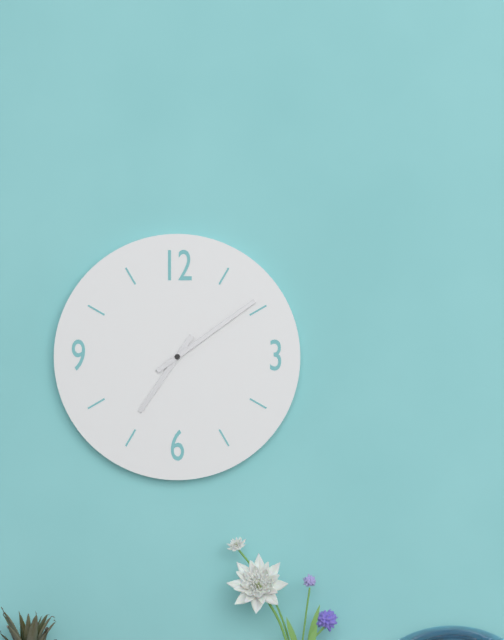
7:09
